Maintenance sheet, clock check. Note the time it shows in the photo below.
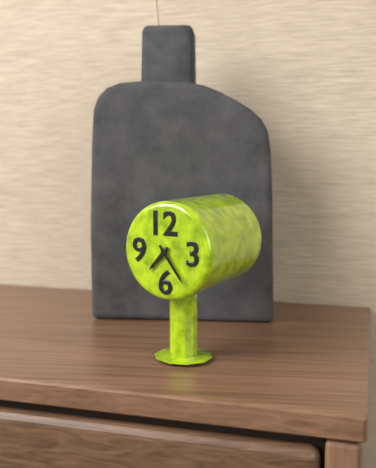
7:24
